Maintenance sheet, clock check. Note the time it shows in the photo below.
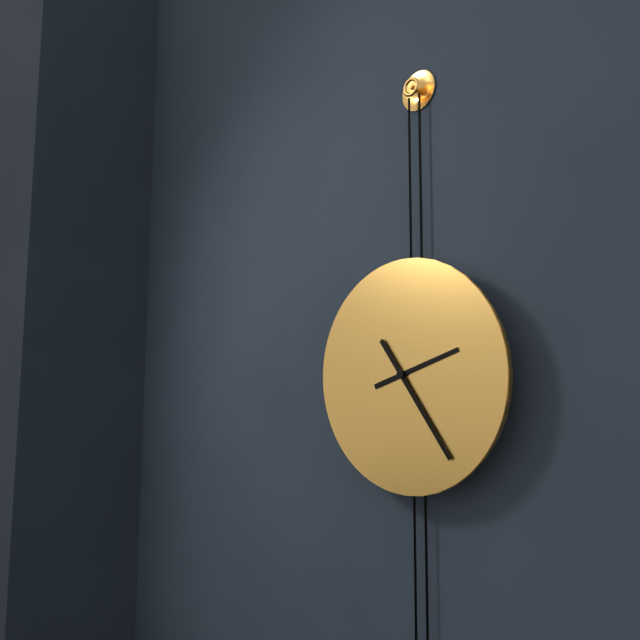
2:24
